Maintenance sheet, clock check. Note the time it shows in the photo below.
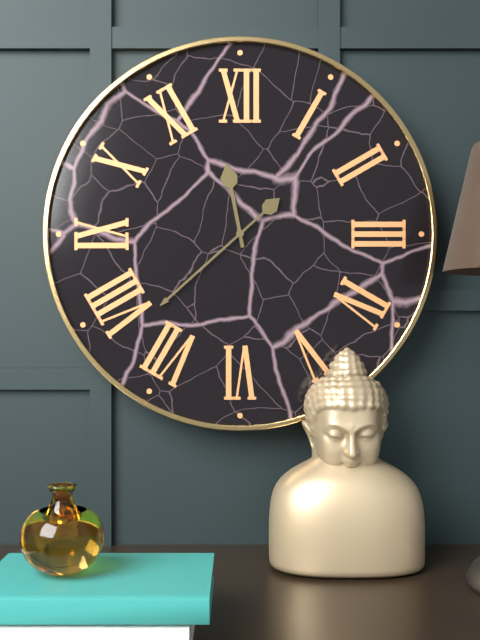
11:38
